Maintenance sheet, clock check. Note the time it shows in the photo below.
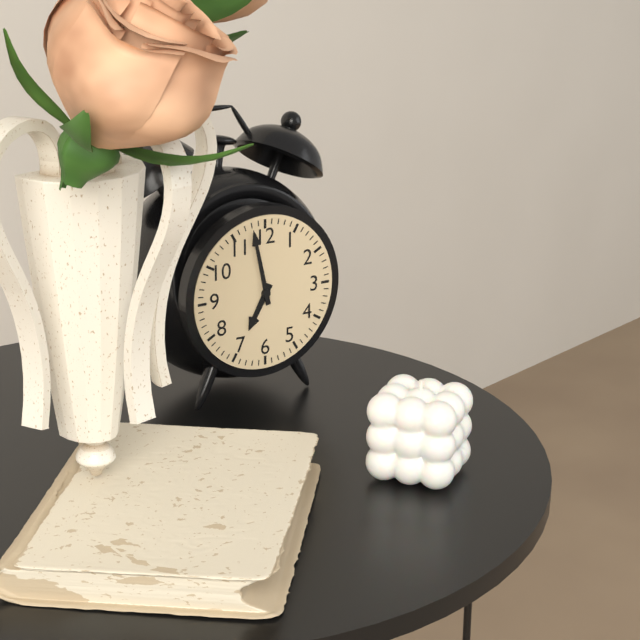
6:58
